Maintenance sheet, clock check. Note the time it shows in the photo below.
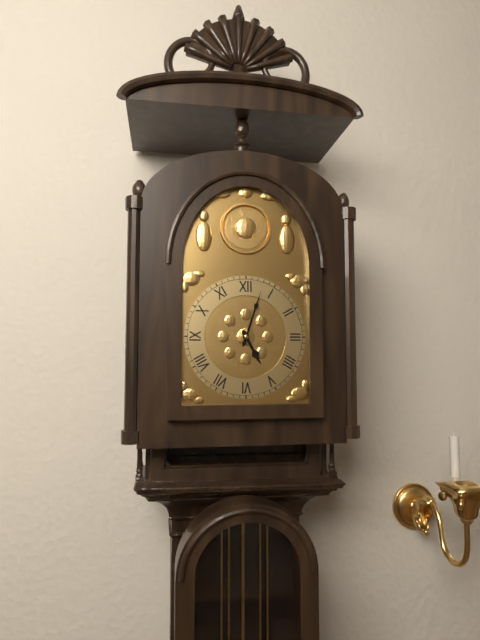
5:03
